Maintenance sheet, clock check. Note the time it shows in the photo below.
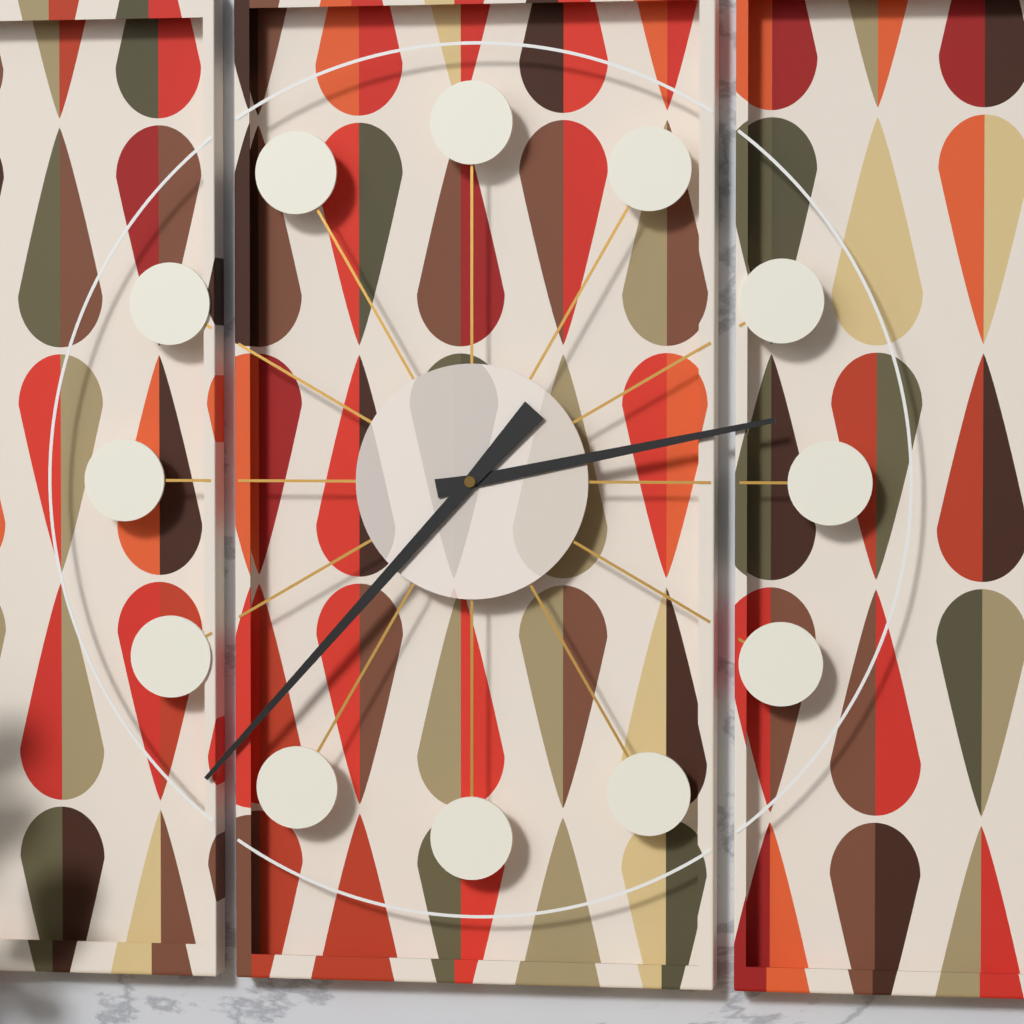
2:37
